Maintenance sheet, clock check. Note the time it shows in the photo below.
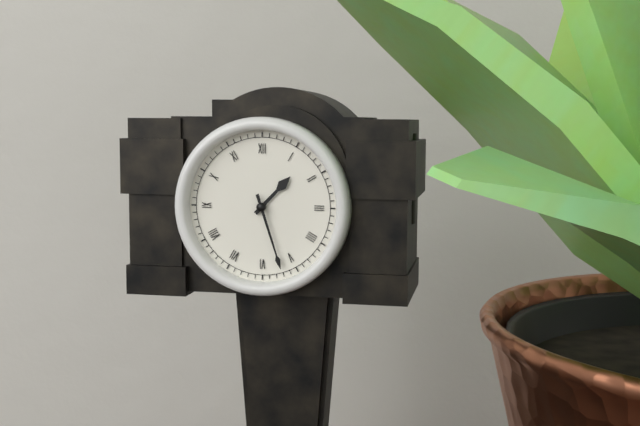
1:27
